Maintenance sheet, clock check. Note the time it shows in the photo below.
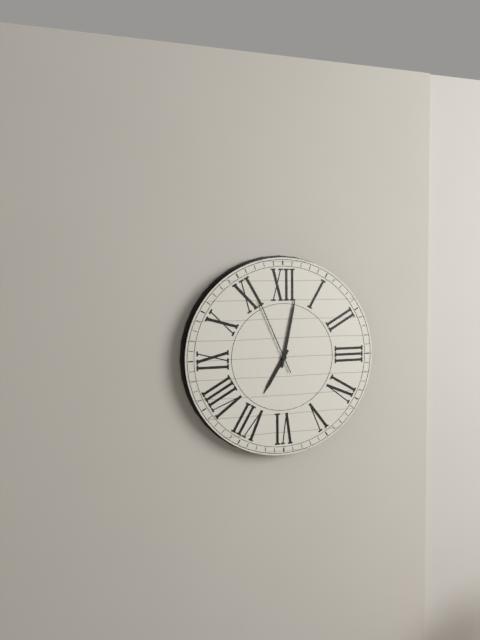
7:02:56
